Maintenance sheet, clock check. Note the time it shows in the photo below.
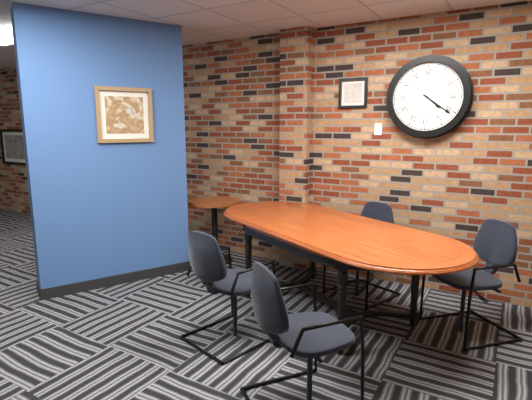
4:21
